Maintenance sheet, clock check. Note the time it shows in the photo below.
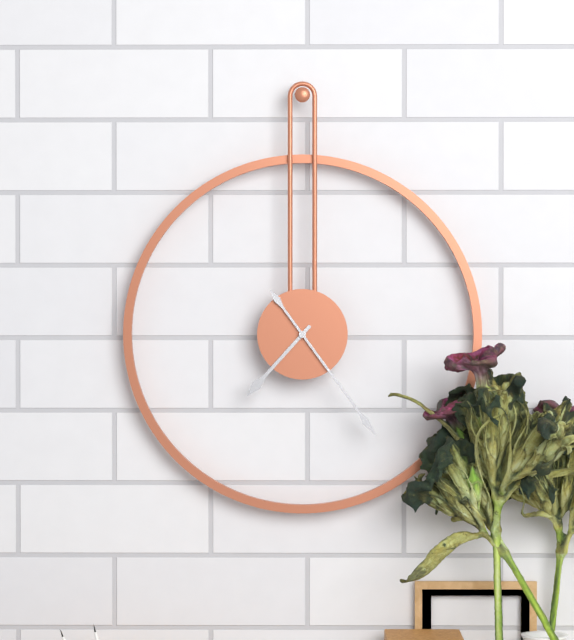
7:24
